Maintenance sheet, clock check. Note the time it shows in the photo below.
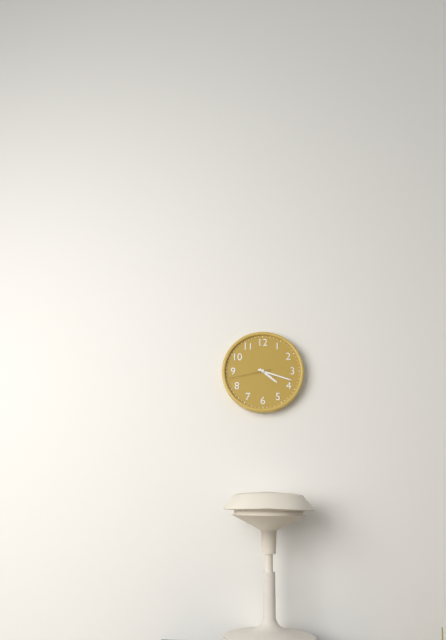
4:18
